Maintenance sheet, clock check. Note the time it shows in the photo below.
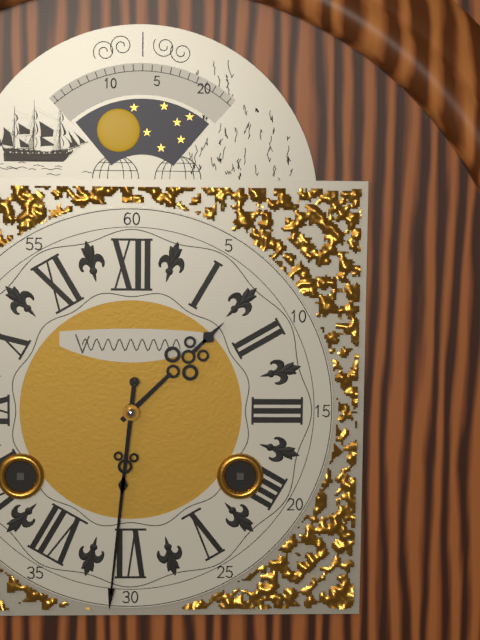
1:31
